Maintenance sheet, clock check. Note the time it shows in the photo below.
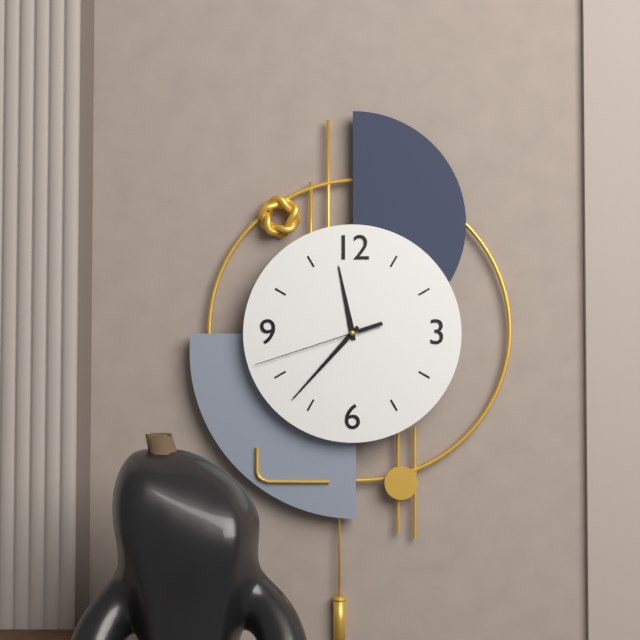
11:37:42
